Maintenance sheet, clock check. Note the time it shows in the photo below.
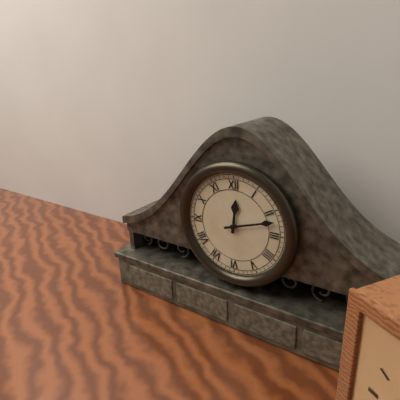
12:12
